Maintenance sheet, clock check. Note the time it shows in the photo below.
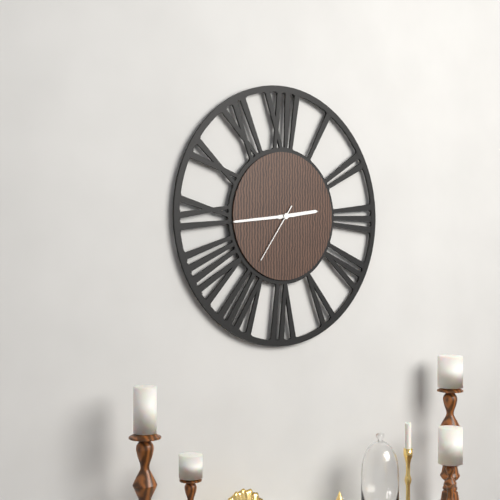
2:44:36
